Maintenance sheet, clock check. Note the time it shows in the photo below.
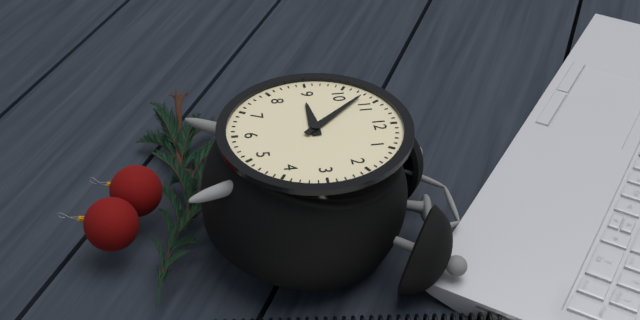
8:53
